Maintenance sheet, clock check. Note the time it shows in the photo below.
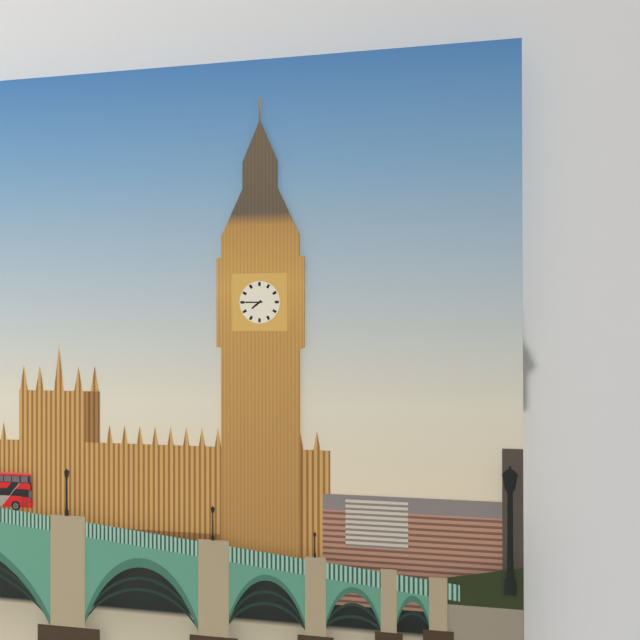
7:45
